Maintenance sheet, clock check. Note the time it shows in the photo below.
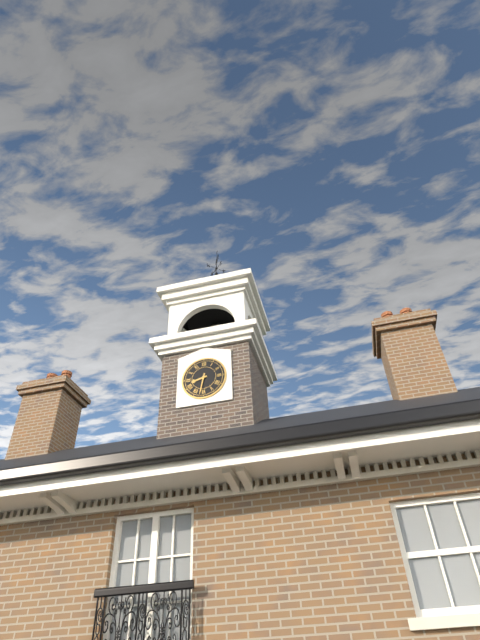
8:32
